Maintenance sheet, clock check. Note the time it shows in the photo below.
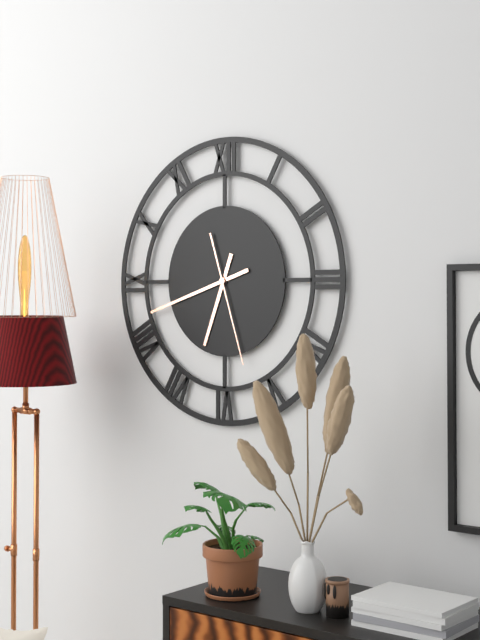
6:42:27
